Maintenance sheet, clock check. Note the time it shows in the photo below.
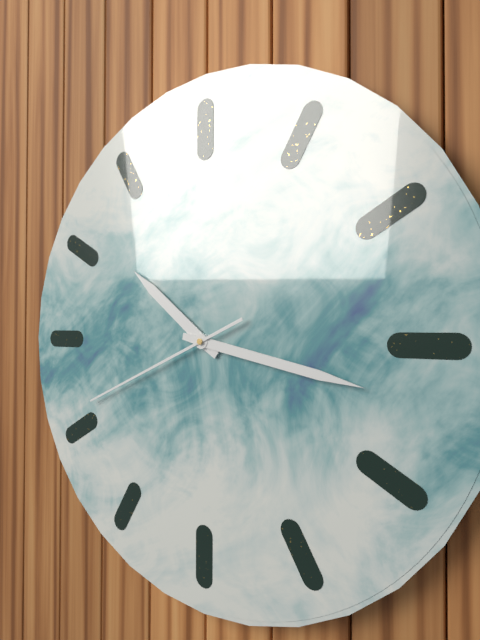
10:17:41
